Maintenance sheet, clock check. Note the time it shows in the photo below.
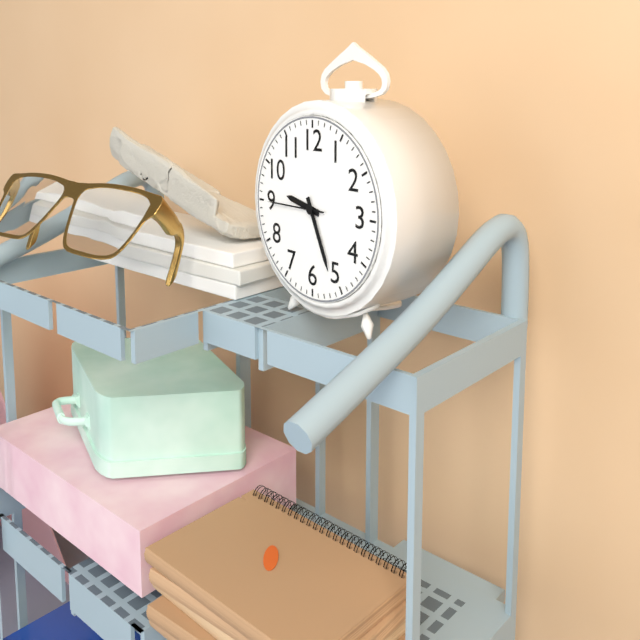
9:26:45
